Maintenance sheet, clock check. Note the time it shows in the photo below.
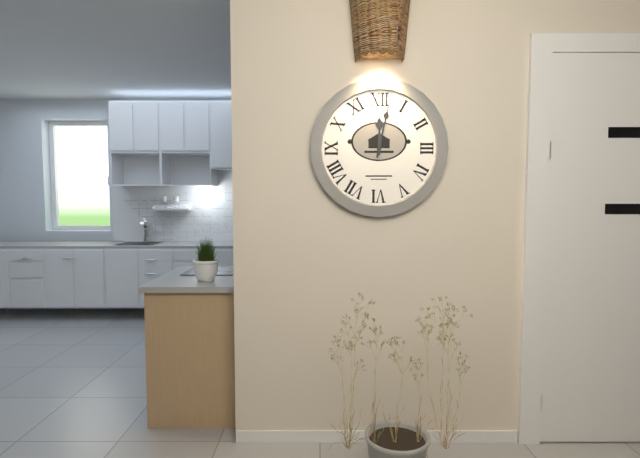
12:02
